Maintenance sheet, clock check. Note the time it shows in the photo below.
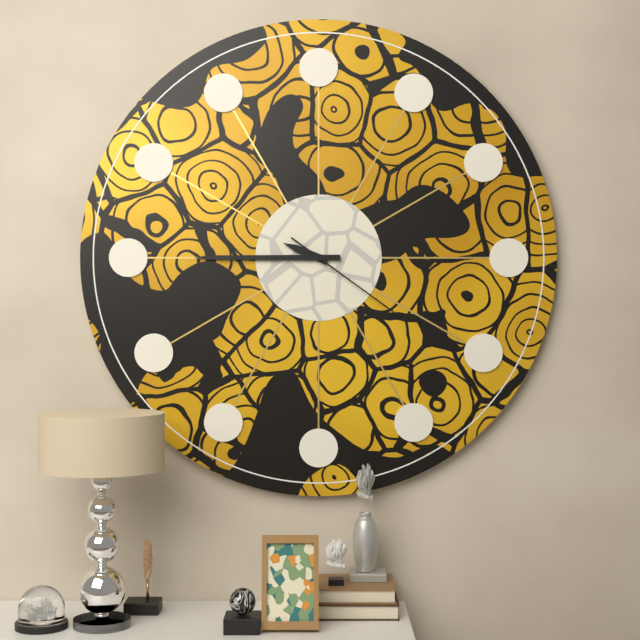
9:45:21
